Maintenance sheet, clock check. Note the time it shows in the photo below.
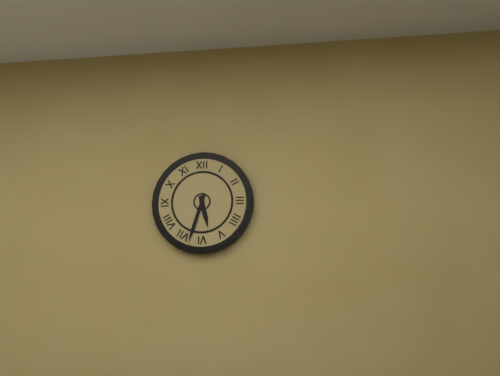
5:33
